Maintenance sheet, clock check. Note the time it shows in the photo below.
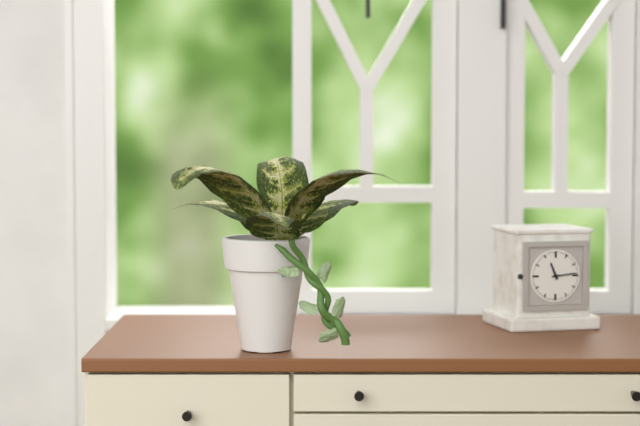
11:14
